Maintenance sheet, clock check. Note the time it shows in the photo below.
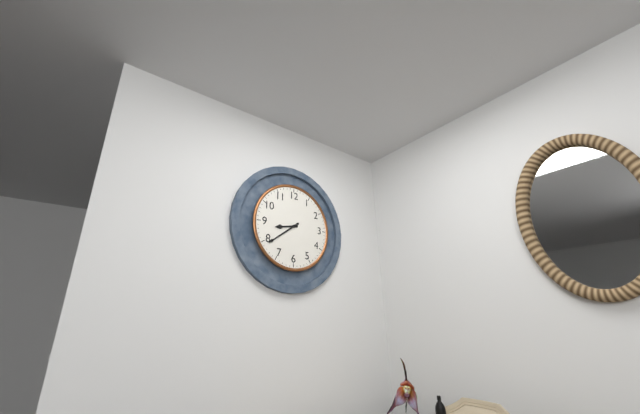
8:39
